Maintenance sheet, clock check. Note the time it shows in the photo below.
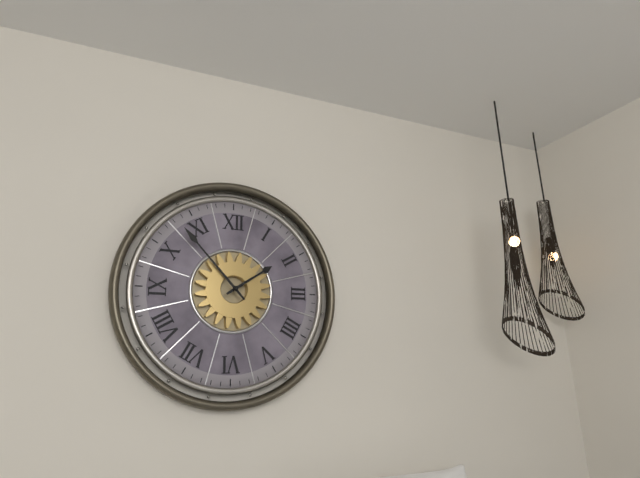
1:53
